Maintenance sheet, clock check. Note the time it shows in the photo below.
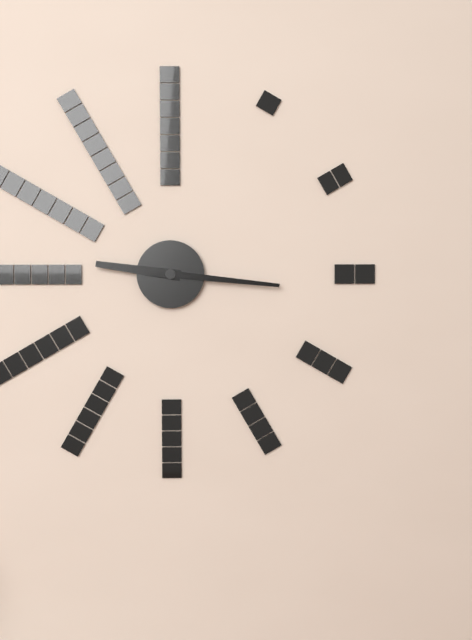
9:16
